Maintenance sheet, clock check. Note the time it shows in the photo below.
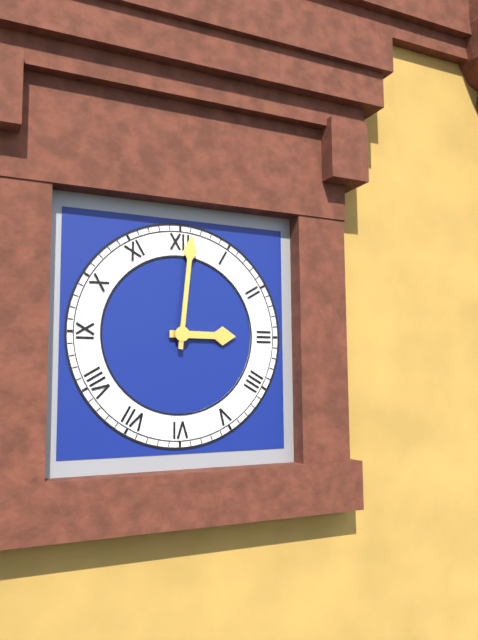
3:01
